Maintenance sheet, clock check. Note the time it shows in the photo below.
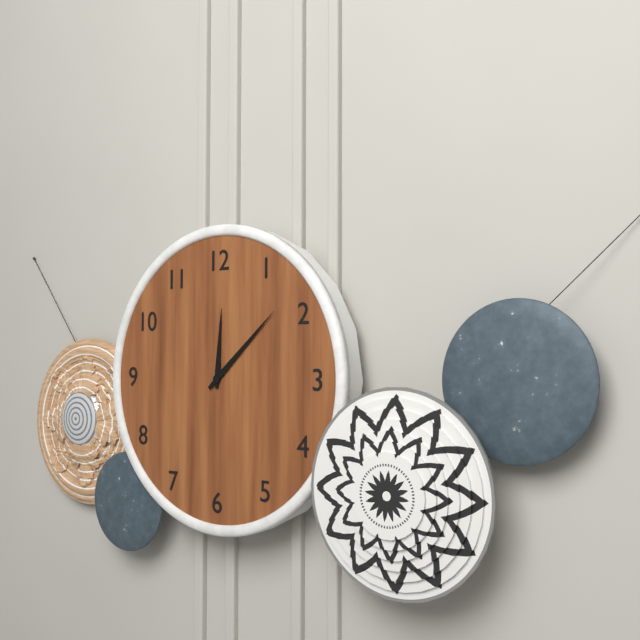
12:08
